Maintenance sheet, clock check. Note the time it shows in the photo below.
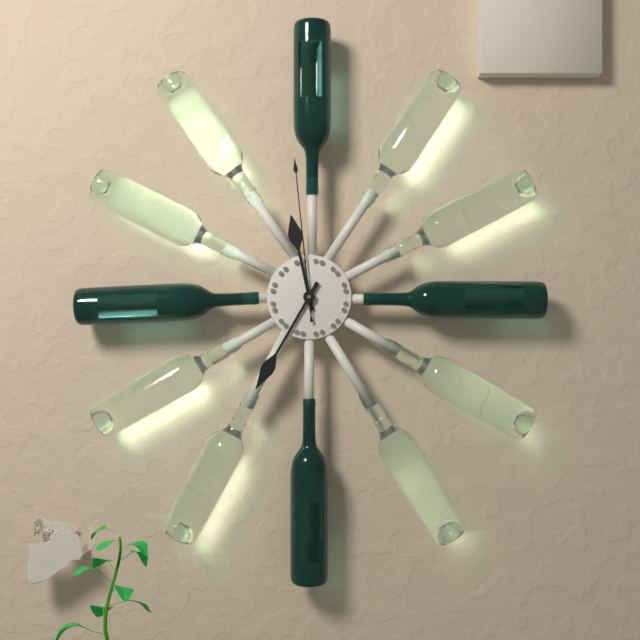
11:35:59
